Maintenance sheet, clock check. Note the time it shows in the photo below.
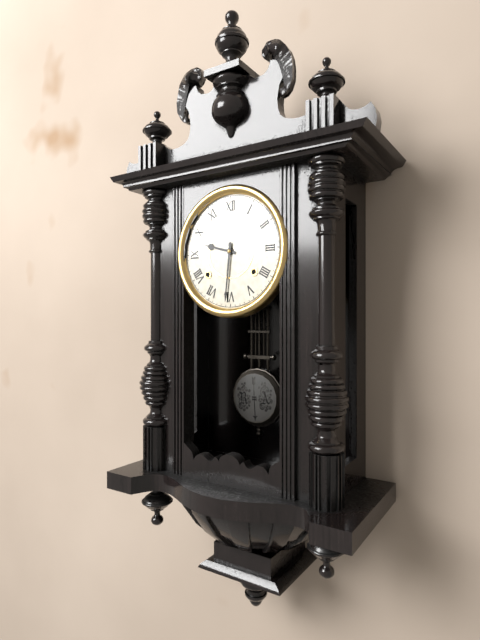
9:31
